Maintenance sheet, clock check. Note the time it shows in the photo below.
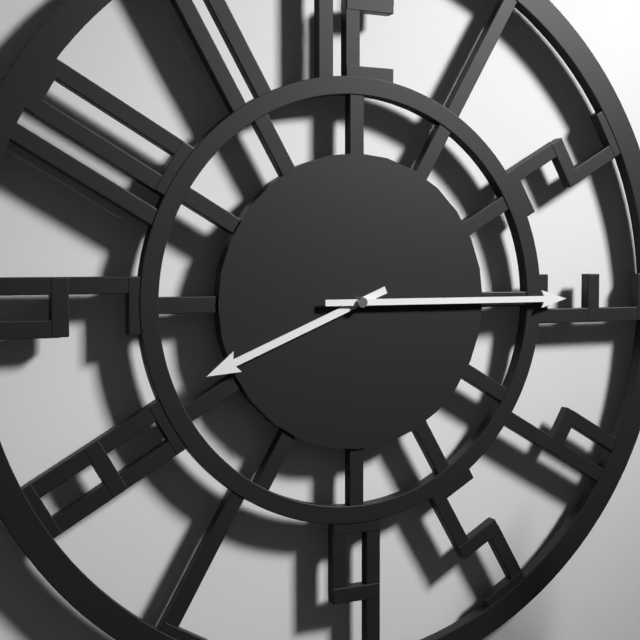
8:15
